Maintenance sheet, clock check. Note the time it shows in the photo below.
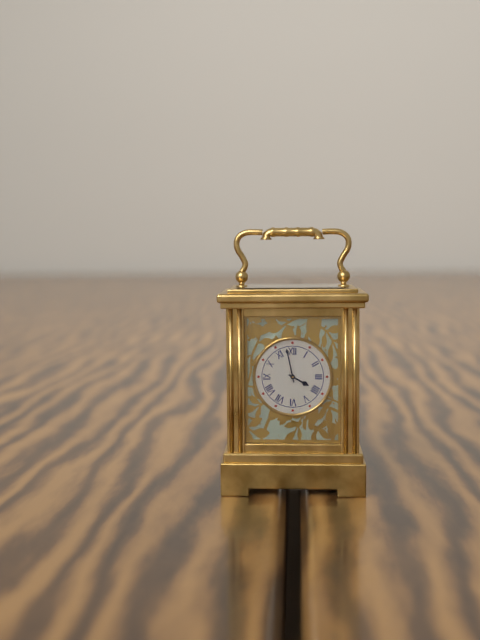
3:58
